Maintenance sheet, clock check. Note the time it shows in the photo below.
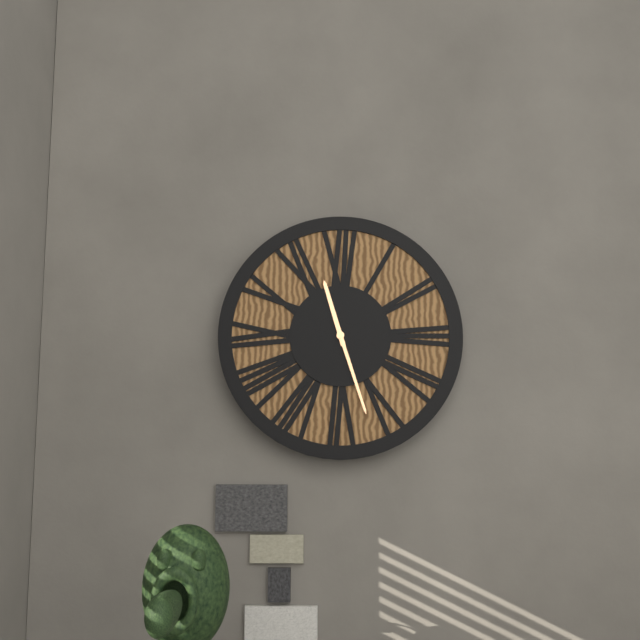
11:27
